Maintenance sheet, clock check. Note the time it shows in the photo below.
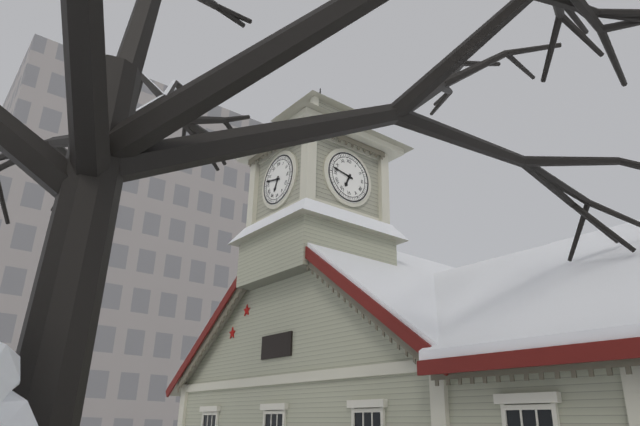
6:47
